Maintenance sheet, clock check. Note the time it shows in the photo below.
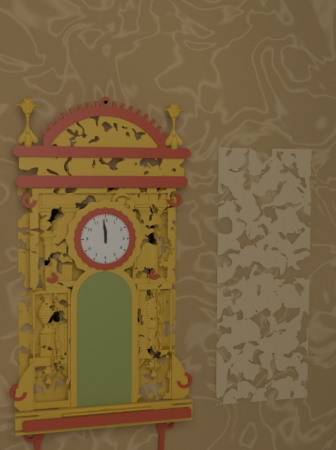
11:59
